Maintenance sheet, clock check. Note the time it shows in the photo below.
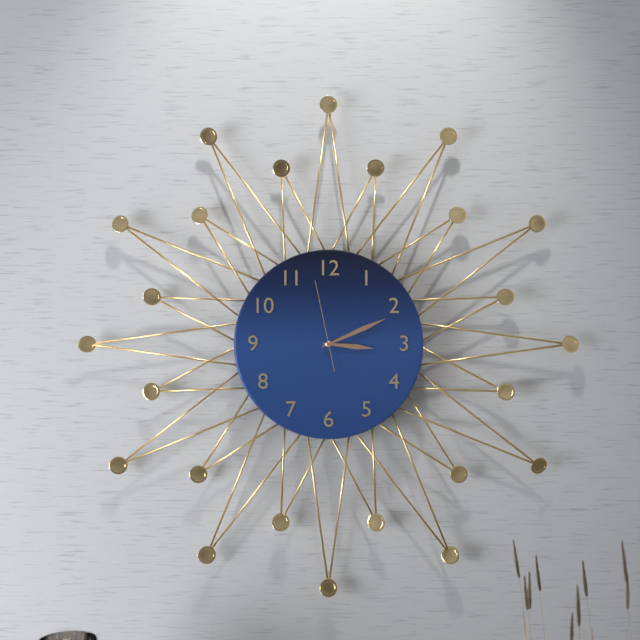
3:11:58
